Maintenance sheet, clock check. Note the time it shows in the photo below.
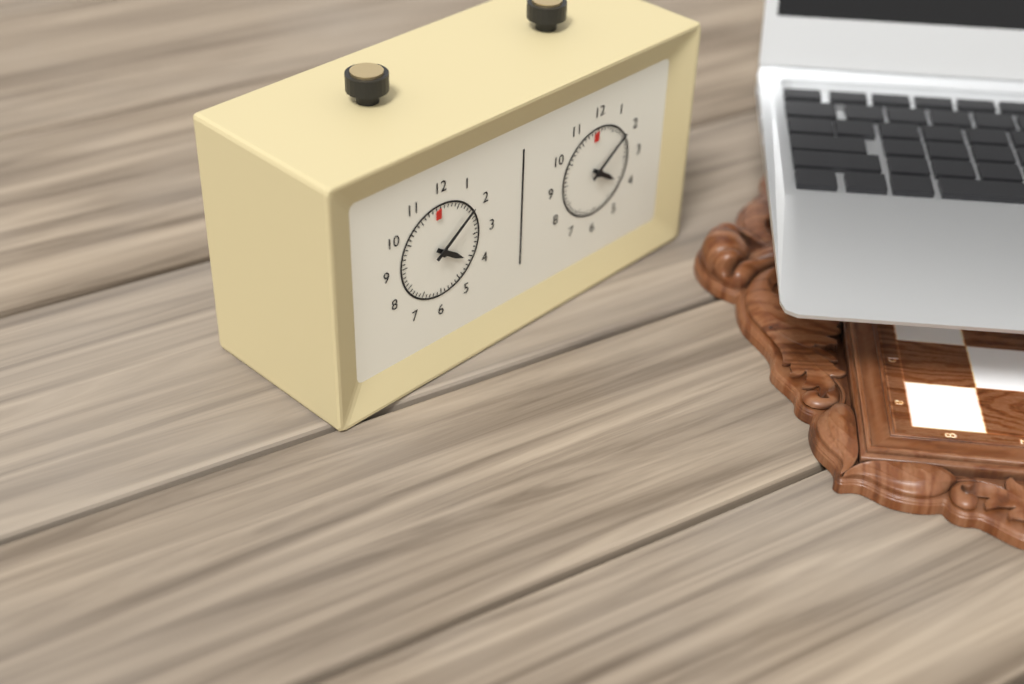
4:09
